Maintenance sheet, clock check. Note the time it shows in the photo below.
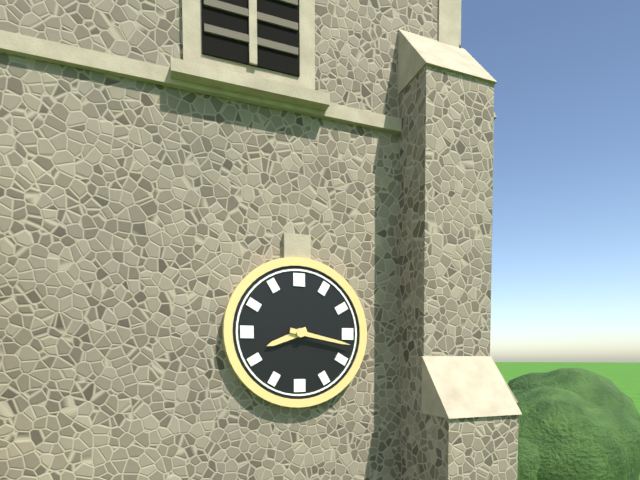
8:17
